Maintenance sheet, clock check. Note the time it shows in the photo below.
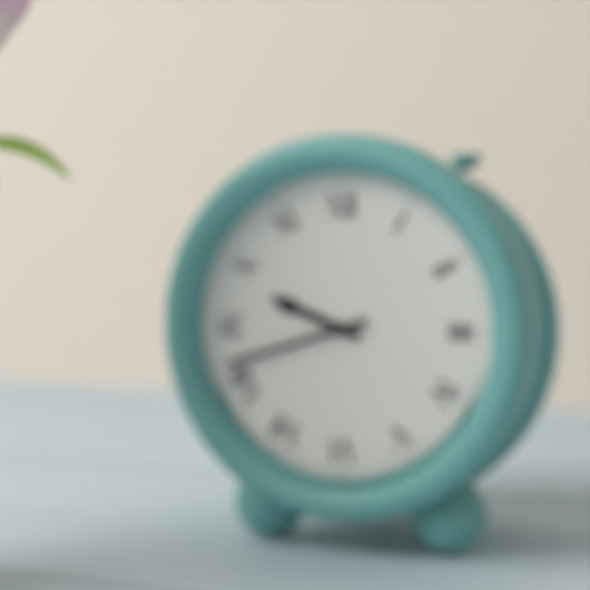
9:42
